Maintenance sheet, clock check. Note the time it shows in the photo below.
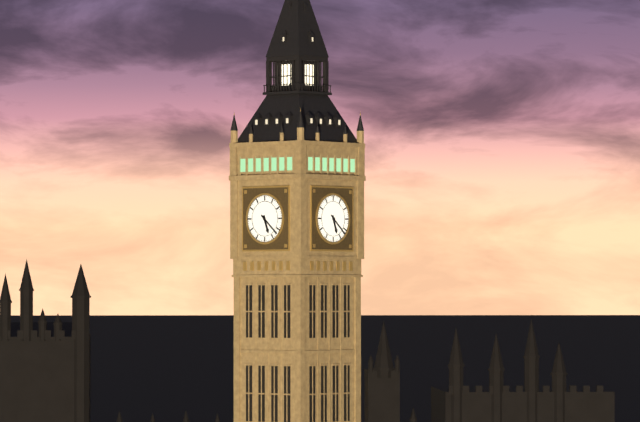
5:22
